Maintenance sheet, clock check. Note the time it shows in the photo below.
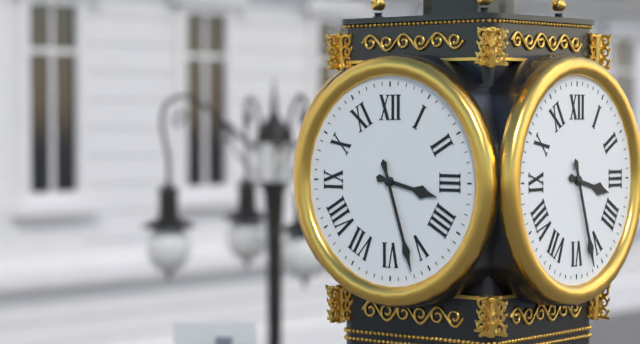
3:27
